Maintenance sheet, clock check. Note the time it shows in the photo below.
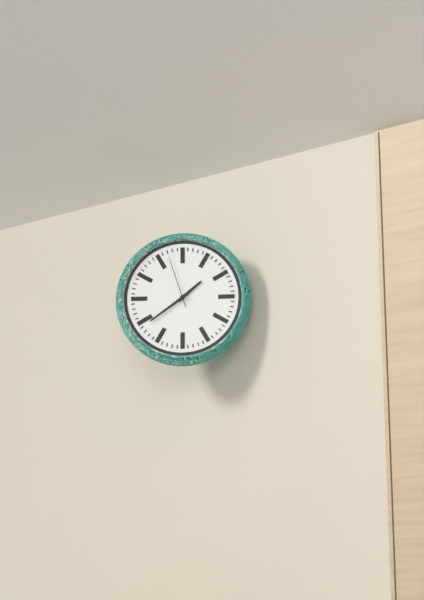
1:39:57
